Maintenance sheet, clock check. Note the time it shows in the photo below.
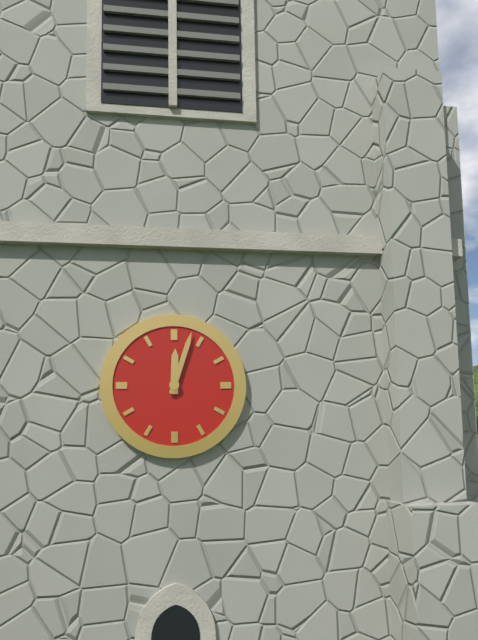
12:03
